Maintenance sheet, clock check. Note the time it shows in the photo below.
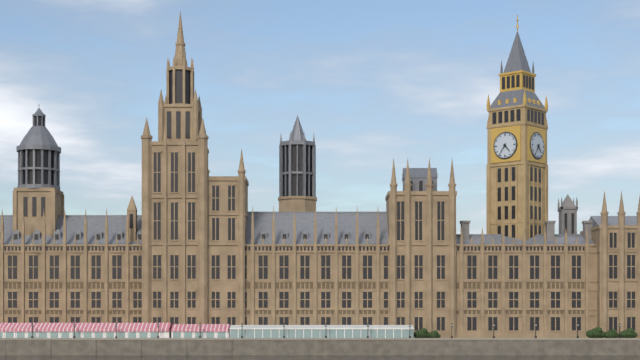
4:36
